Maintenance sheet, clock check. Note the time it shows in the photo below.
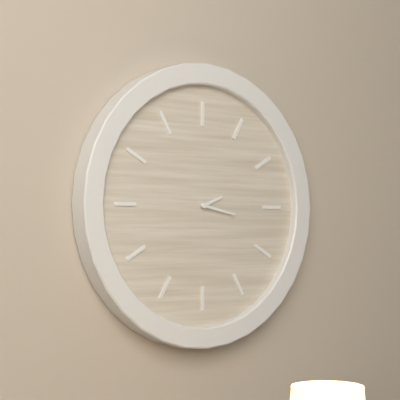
2:17
